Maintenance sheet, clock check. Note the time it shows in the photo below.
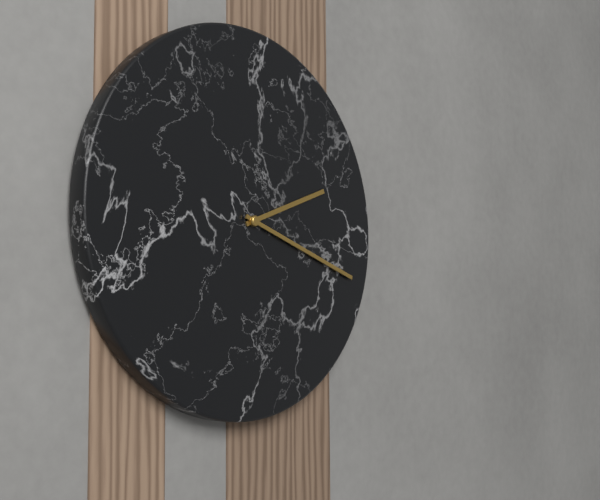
2:18
